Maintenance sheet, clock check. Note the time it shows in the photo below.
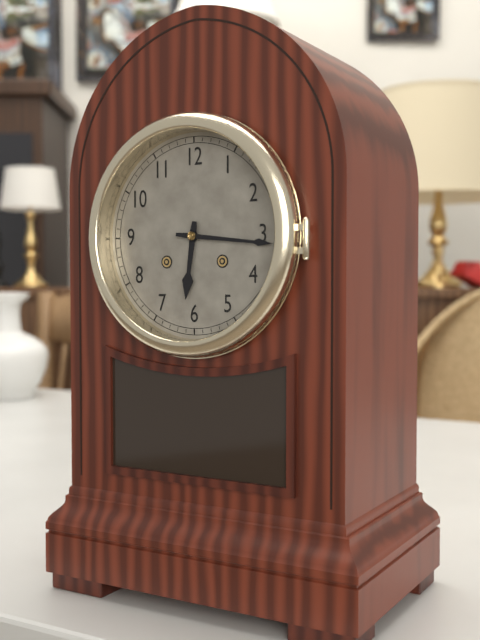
6:16
